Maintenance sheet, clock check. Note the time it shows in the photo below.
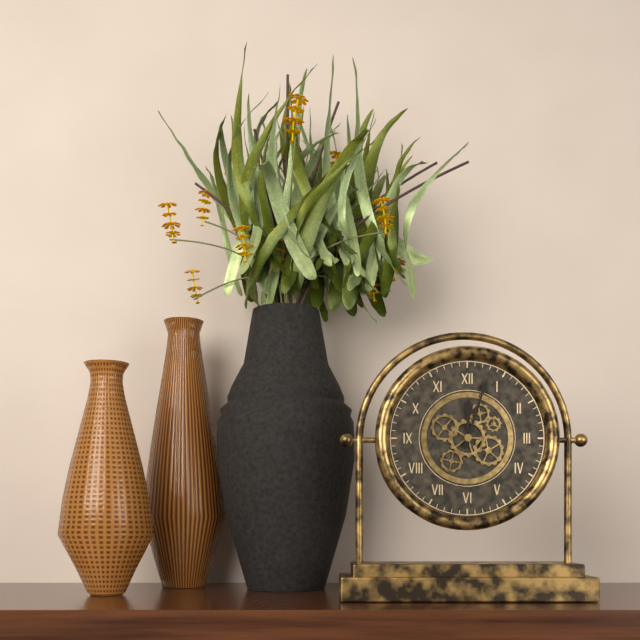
12:03
